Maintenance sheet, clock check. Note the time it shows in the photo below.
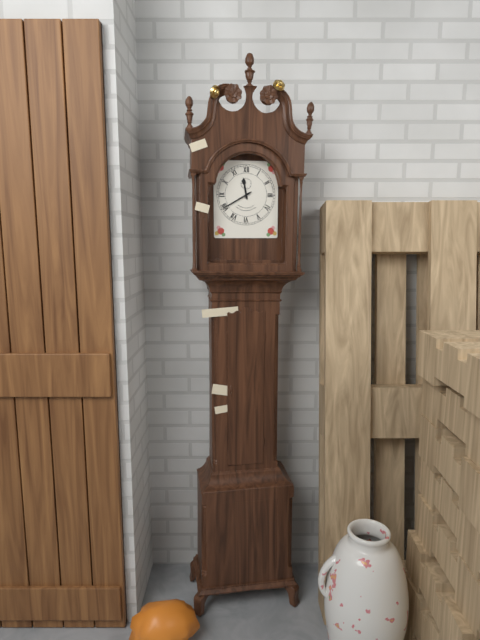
11:40
